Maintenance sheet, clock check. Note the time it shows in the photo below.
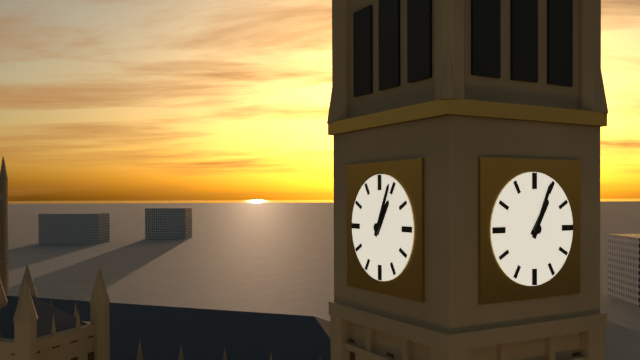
1:04
